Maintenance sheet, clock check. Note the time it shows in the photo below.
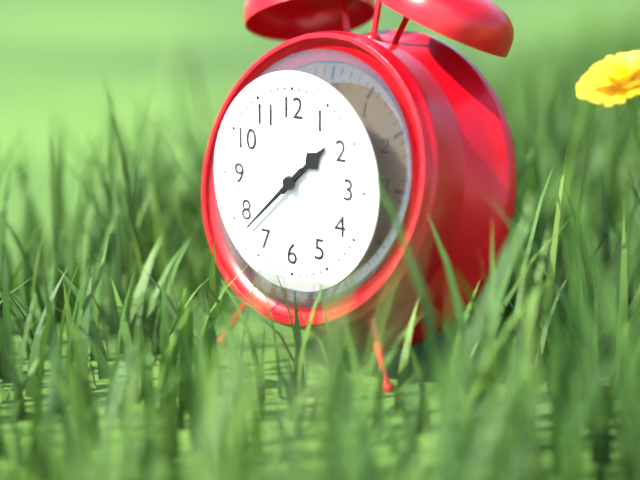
1:38
